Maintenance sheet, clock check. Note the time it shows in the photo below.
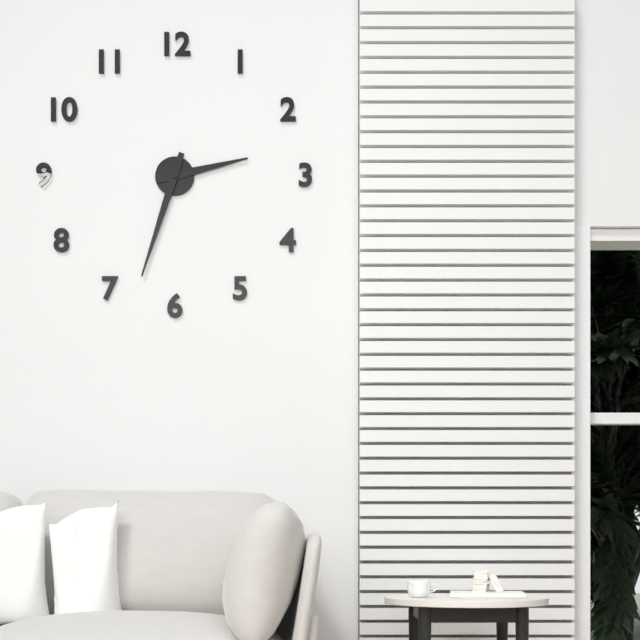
2:33
